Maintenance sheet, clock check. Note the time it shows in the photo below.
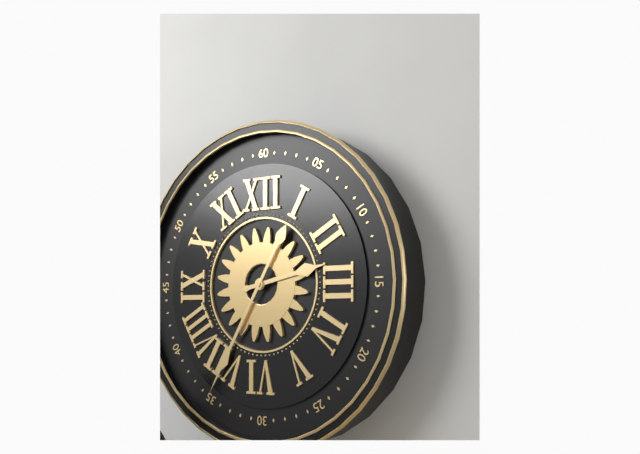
2:35
